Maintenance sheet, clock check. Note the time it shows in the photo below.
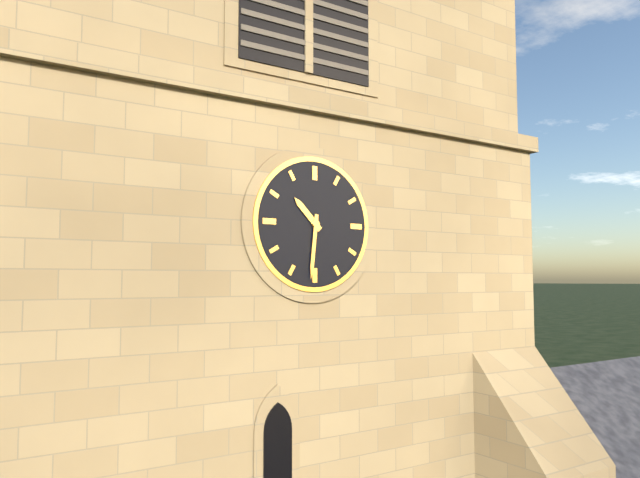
10:31
